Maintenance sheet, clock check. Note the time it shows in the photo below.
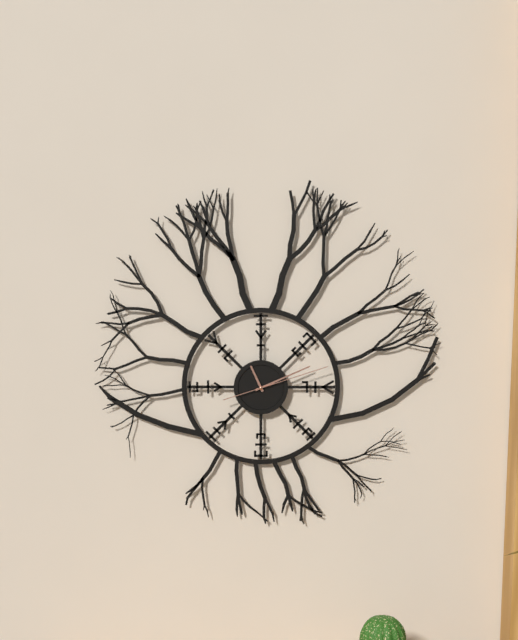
11:11:12
